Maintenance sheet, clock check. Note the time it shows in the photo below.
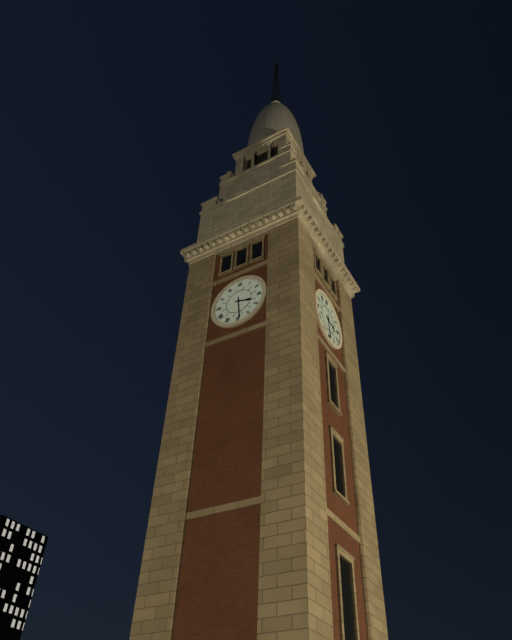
3:29
